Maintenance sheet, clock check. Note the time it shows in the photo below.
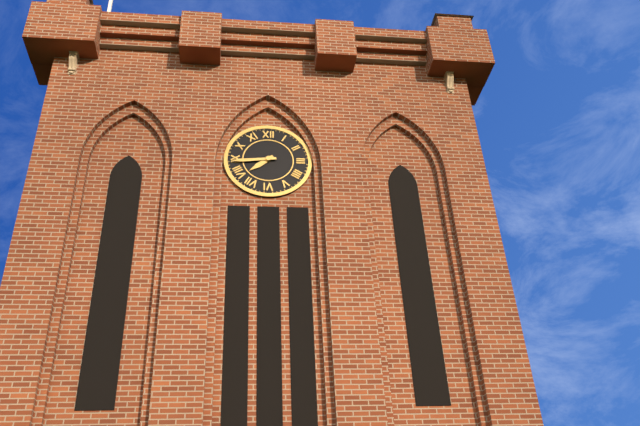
7:44
